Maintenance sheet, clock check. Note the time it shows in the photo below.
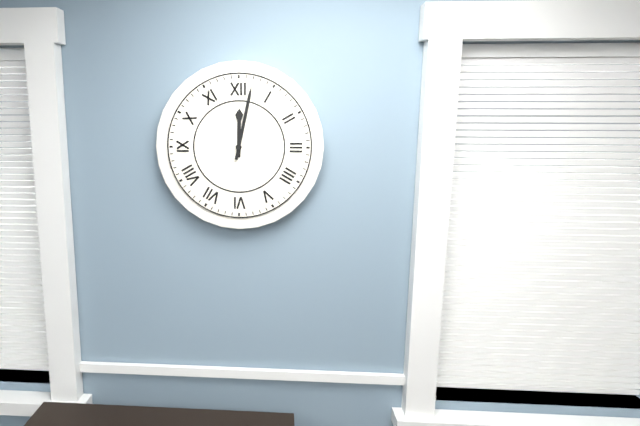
12:02
